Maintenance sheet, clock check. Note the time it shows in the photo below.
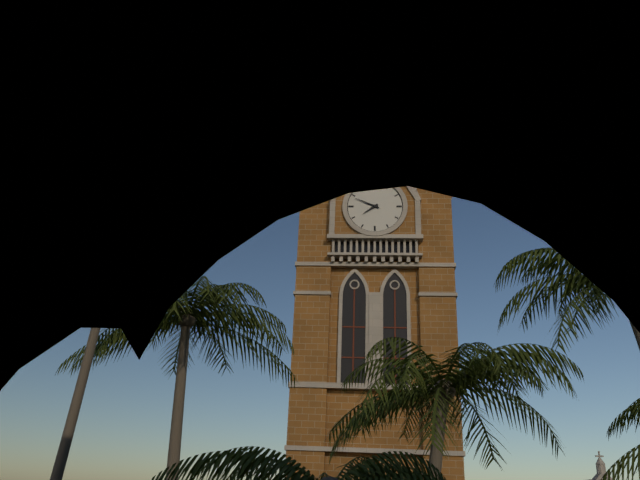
7:49
